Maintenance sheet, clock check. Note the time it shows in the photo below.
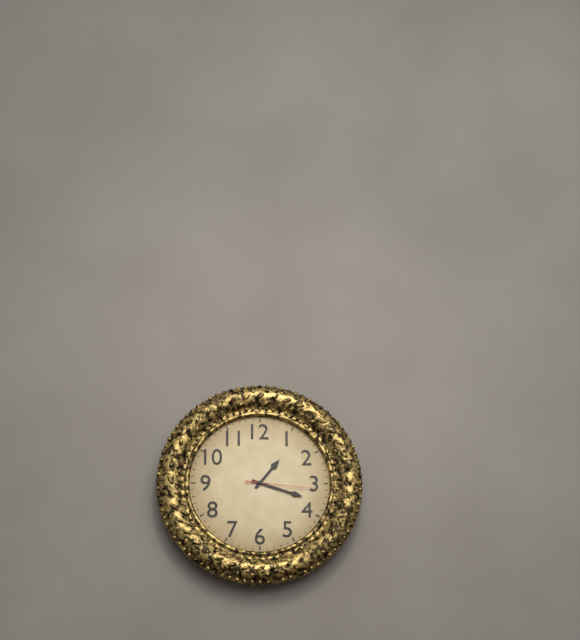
1:18:16
